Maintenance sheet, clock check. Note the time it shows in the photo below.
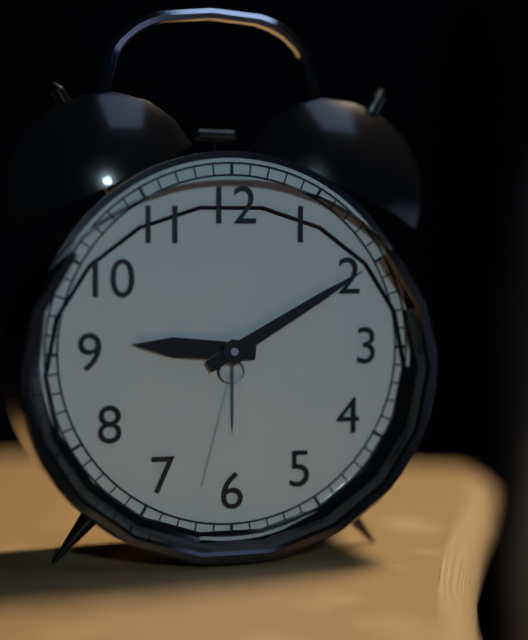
9:10
